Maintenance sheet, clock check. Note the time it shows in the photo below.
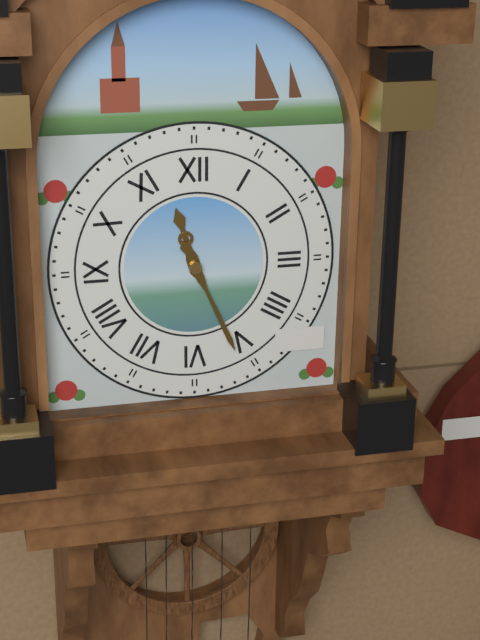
11:26
